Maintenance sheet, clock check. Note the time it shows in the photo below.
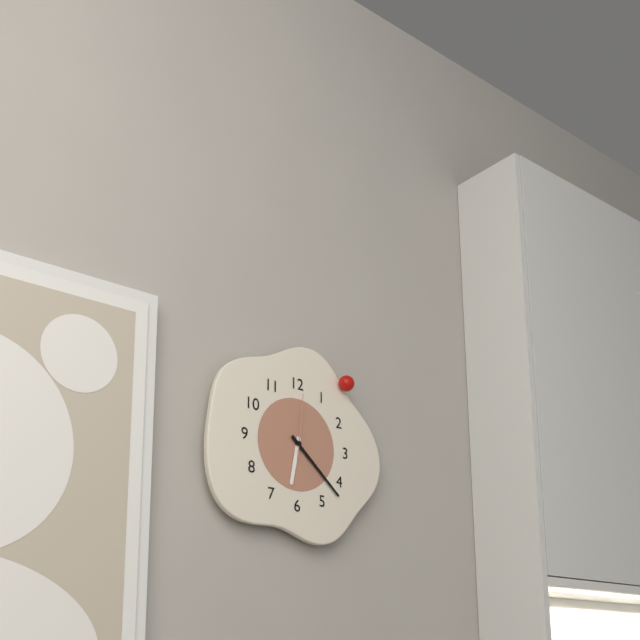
6:22:01
